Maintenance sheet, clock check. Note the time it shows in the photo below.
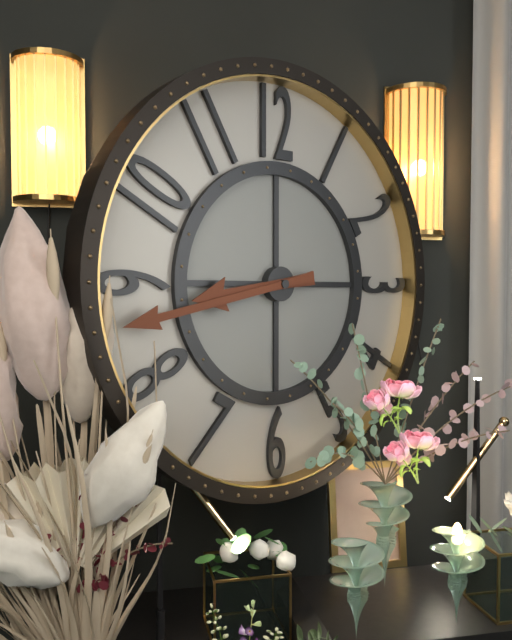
8:43
